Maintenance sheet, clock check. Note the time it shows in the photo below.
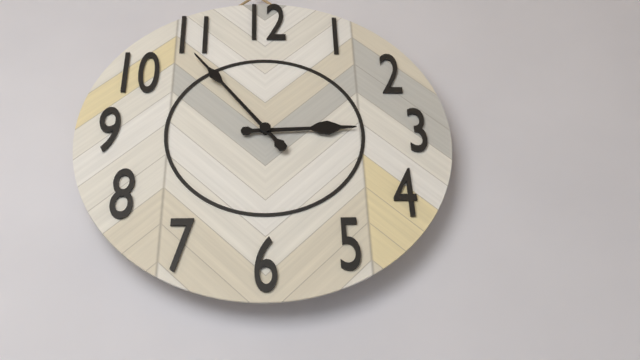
2:54
